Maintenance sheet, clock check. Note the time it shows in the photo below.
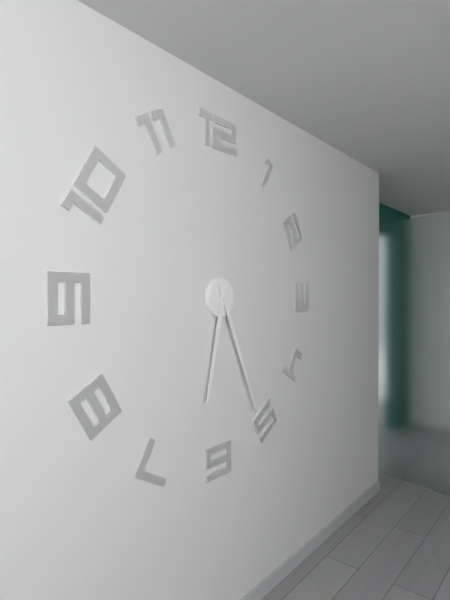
6:26
